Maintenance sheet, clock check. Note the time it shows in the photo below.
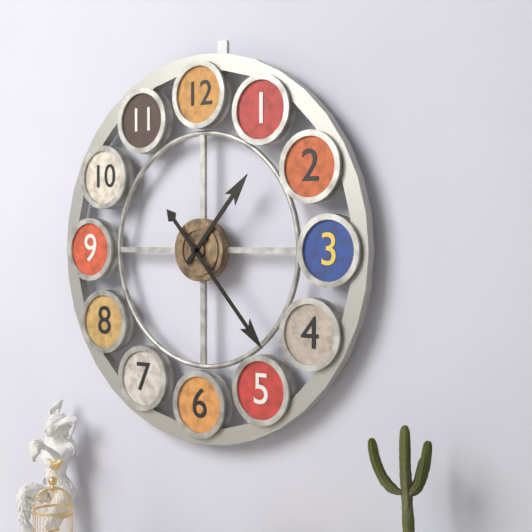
1:23
